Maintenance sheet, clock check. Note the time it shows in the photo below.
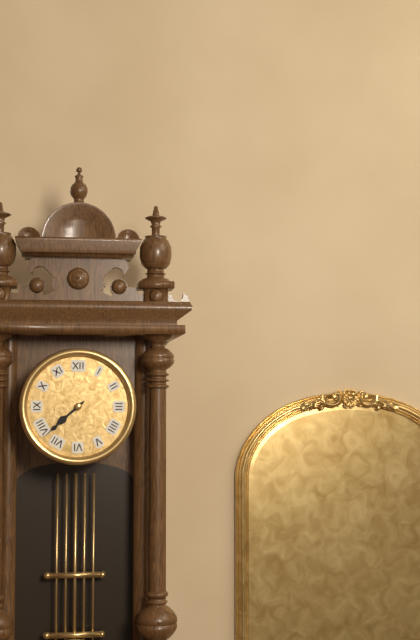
7:38
